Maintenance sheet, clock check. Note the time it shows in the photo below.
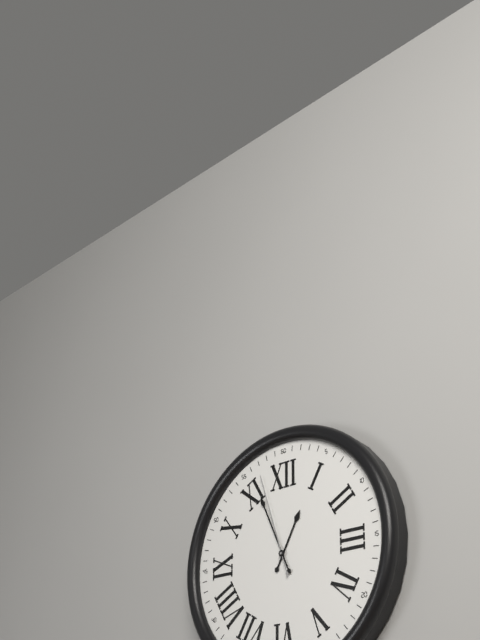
12:56:57
